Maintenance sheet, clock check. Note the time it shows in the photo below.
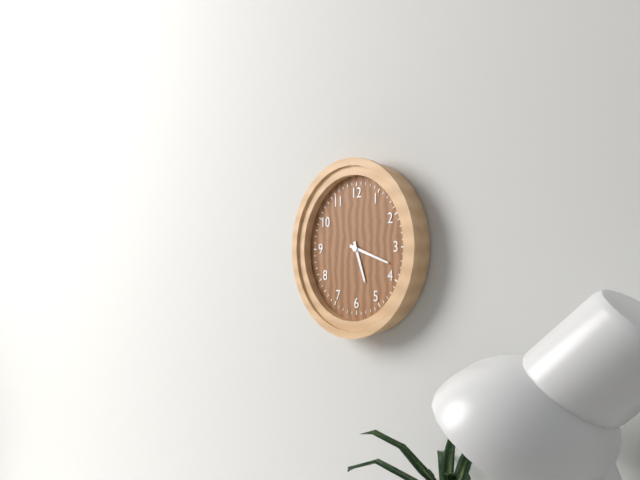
5:18
